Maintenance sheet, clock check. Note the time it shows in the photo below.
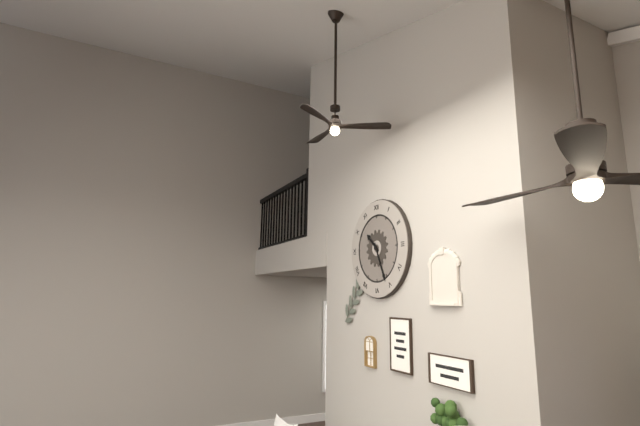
10:26
